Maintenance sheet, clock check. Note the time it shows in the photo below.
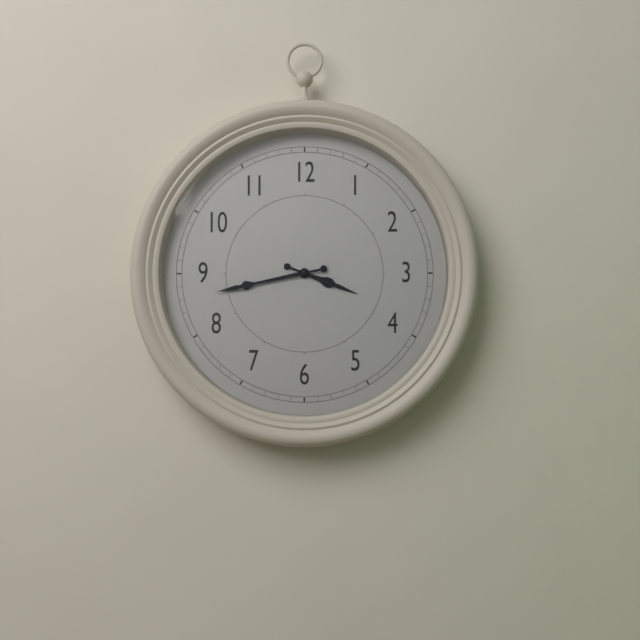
3:43
